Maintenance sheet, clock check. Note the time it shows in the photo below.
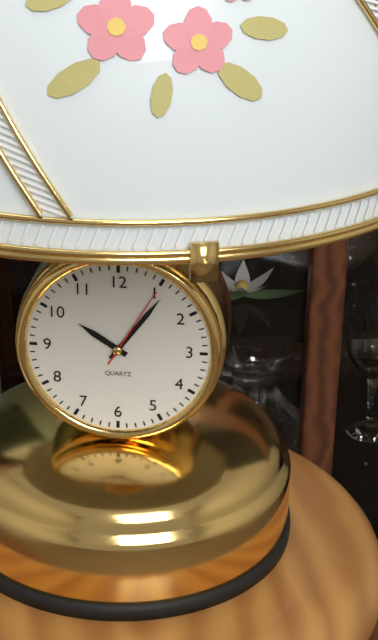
10:06:05
